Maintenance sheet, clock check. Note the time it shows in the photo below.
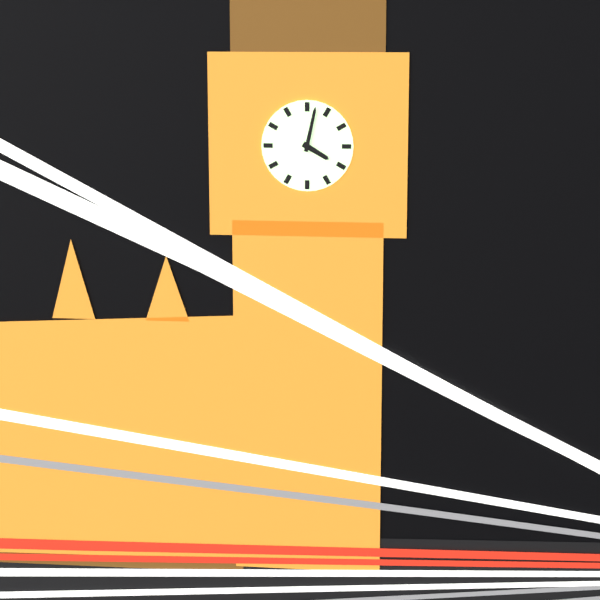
4:02
